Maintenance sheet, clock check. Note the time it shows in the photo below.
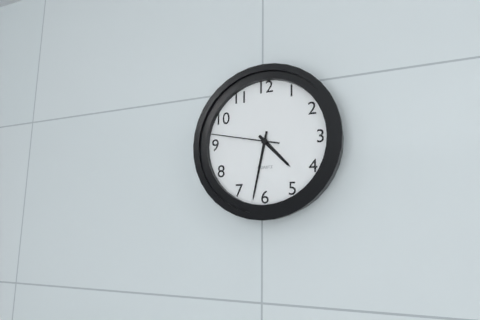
4:32:47
